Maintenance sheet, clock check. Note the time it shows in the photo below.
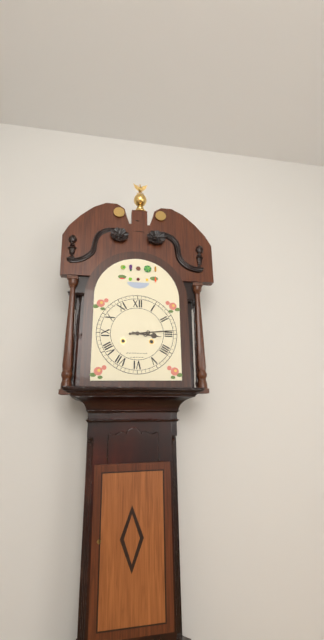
3:14
